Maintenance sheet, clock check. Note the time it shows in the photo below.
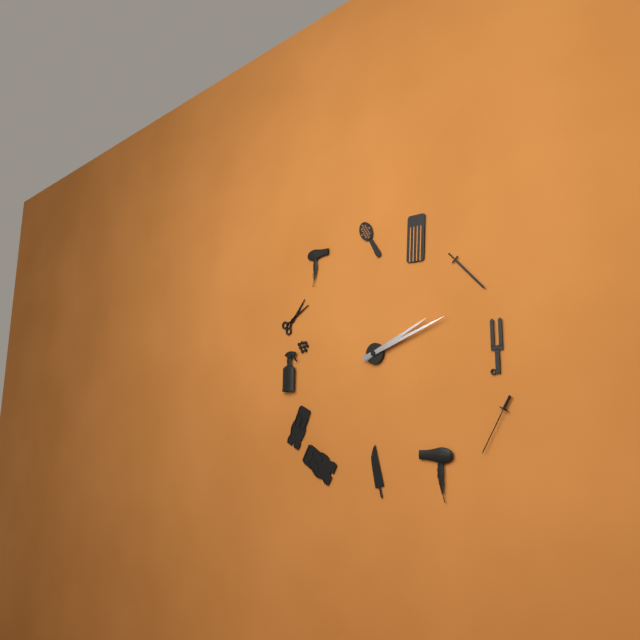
2:12
